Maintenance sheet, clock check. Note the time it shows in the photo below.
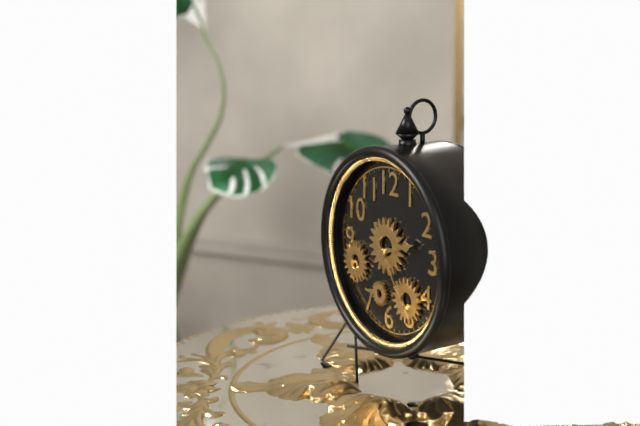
2:24
